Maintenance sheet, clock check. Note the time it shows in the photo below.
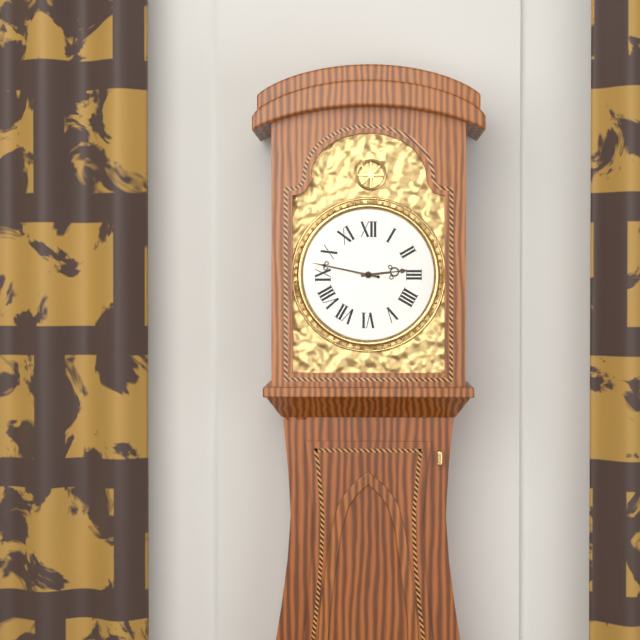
2:47
